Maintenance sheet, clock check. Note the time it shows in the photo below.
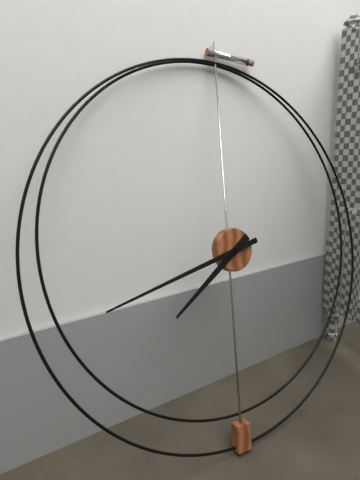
7:42
